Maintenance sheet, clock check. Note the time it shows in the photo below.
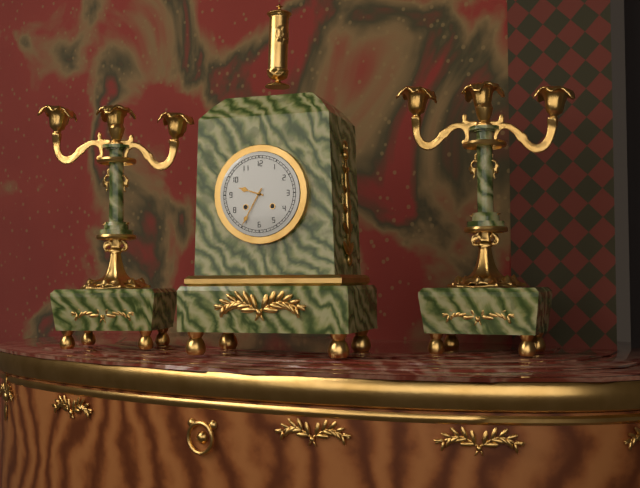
9:35
